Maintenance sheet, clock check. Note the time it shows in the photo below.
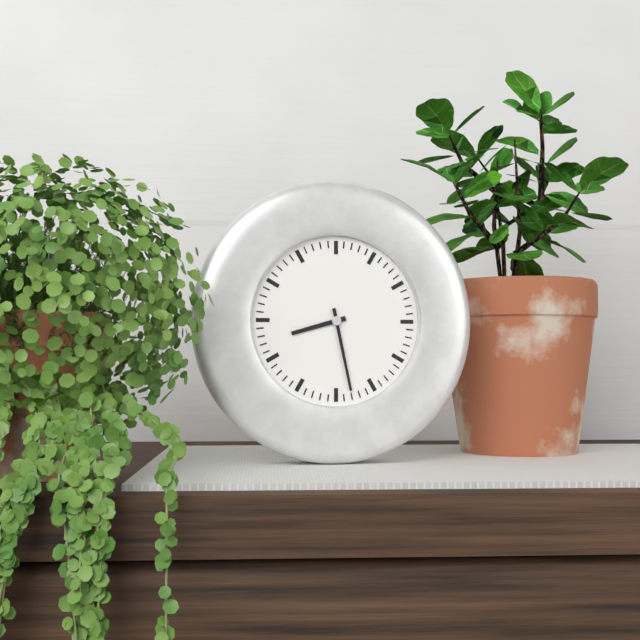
8:28
